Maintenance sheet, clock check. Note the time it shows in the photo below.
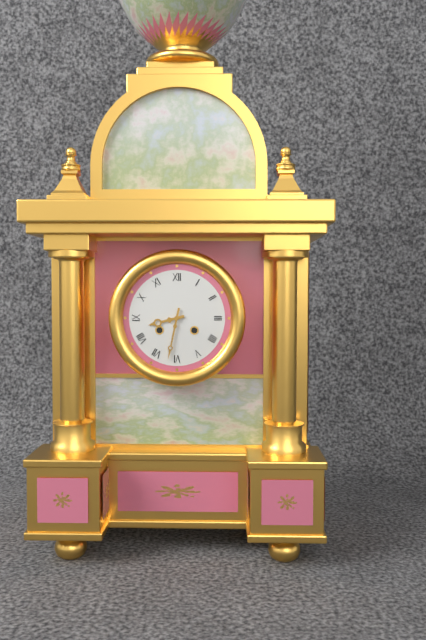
8:32
